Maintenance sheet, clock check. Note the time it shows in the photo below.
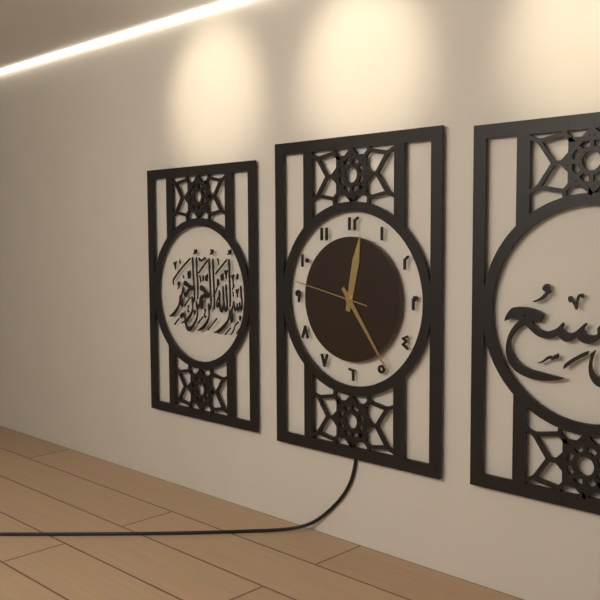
12:24:47
